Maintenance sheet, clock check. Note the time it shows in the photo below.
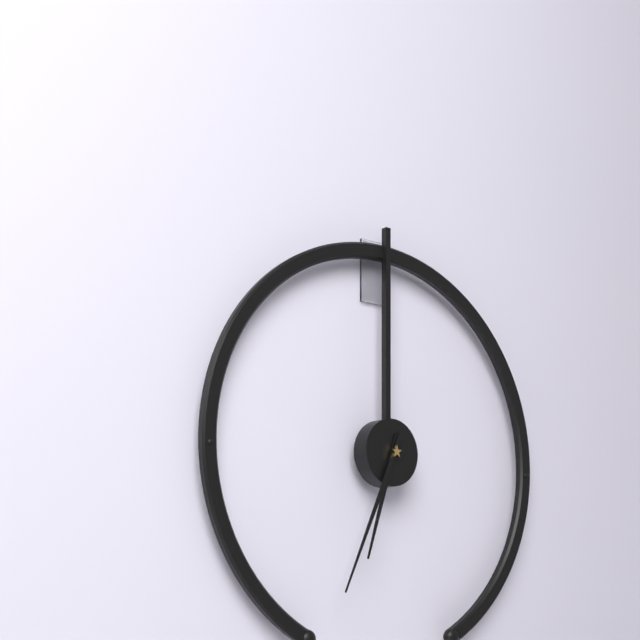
6:34
